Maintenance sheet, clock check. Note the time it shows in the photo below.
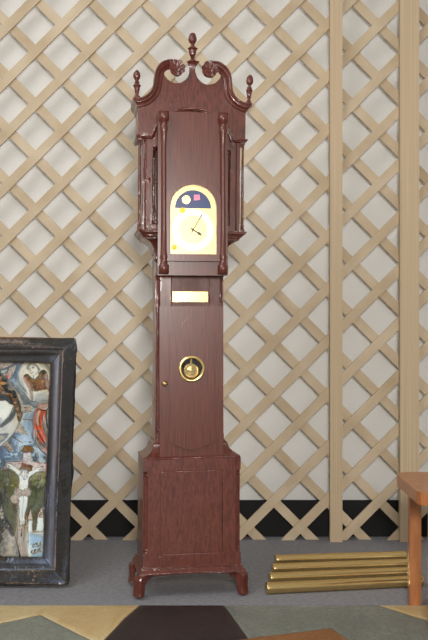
4:05
